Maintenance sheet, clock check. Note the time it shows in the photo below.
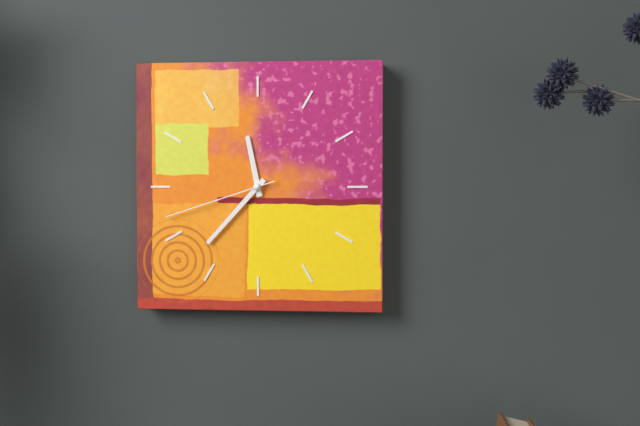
11:37:42
